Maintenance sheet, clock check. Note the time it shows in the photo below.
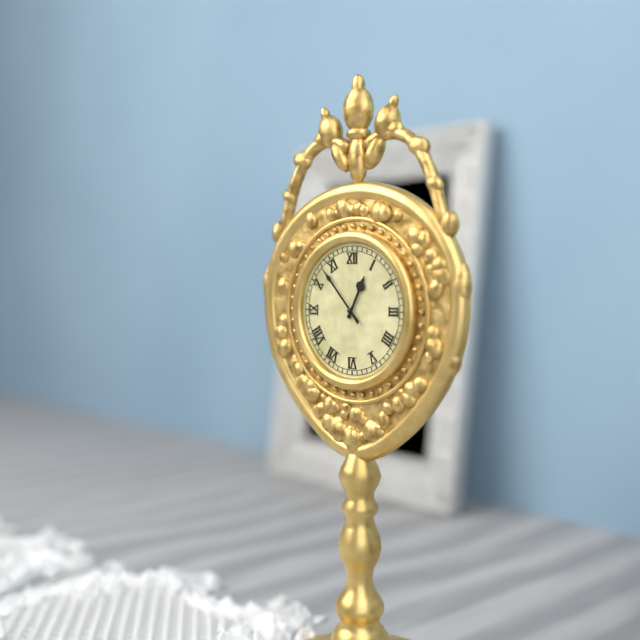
12:53
